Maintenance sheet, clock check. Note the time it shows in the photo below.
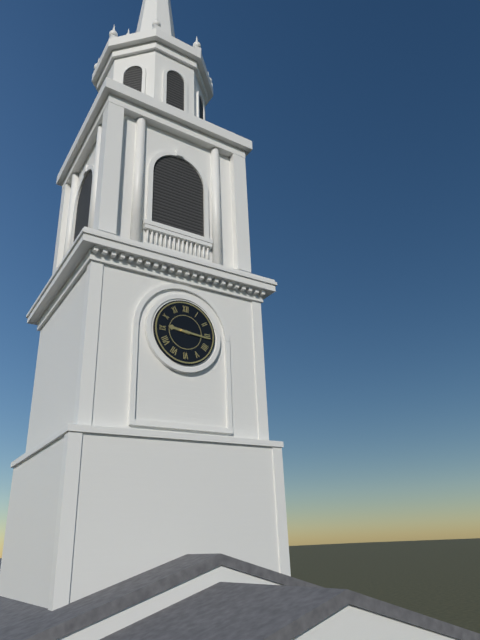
9:16
